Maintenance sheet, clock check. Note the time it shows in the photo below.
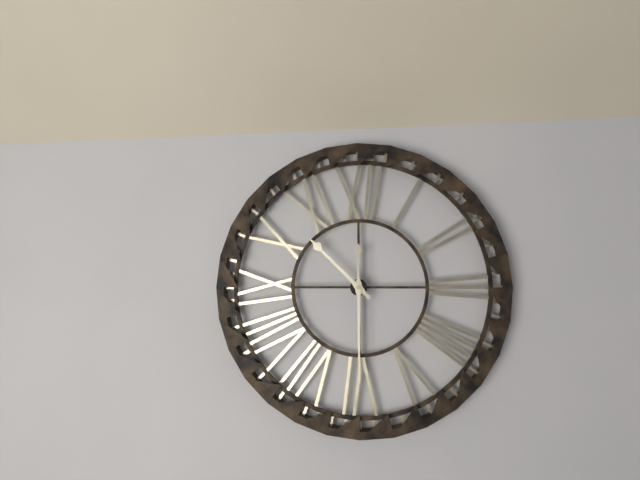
10:30
